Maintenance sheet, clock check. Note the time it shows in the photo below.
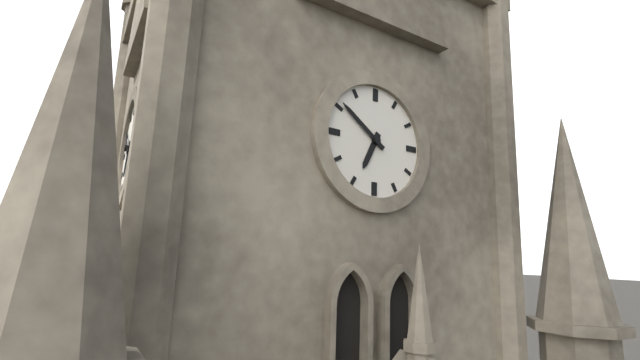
6:51
